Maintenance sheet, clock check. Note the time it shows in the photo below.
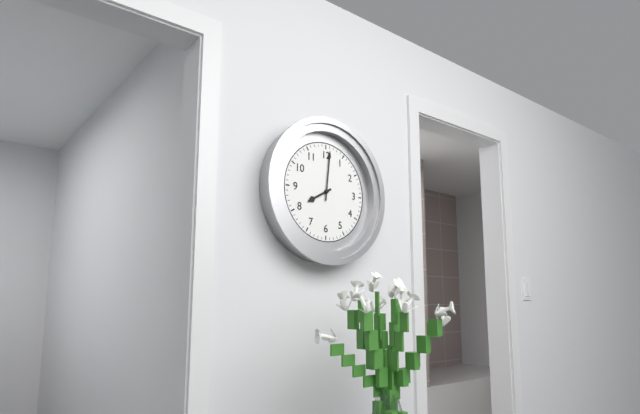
8:01
